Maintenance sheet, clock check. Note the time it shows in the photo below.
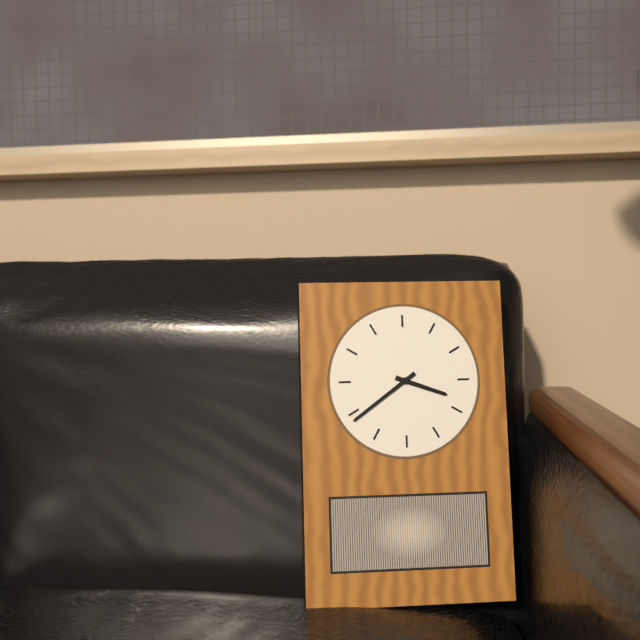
3:39
